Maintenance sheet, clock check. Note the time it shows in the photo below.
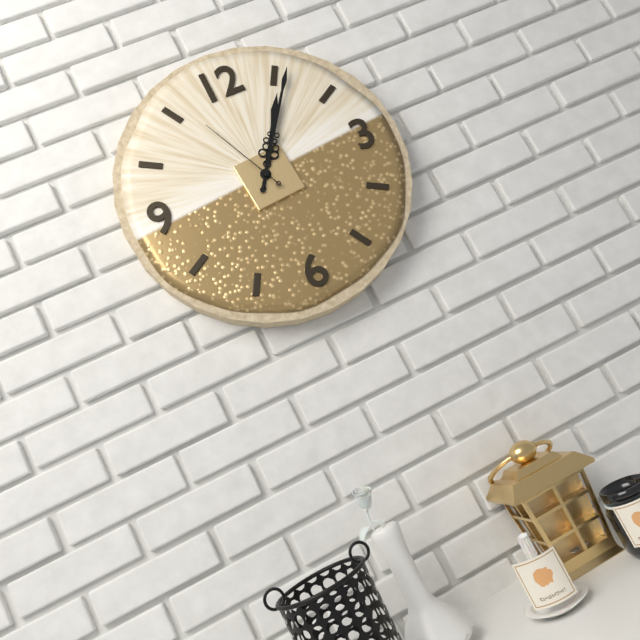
1:06:56
